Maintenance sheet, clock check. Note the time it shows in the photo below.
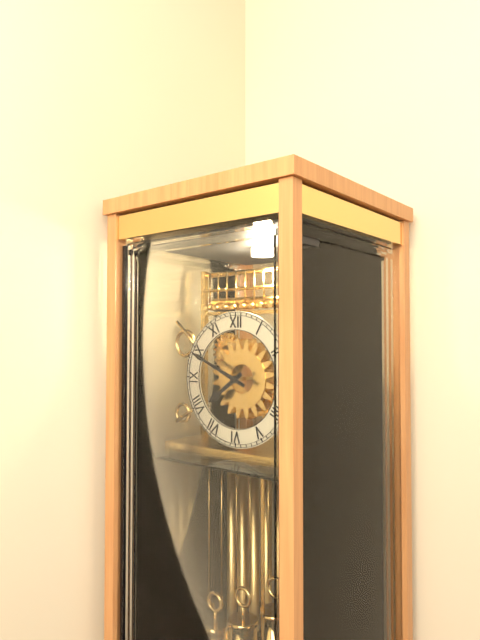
7:49
